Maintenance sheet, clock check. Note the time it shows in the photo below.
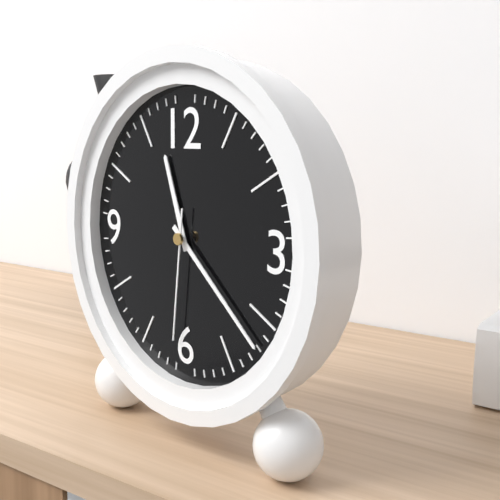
11:22:31
